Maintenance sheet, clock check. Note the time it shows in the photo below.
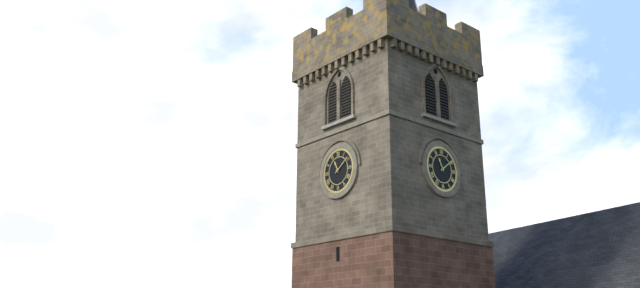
11:09
